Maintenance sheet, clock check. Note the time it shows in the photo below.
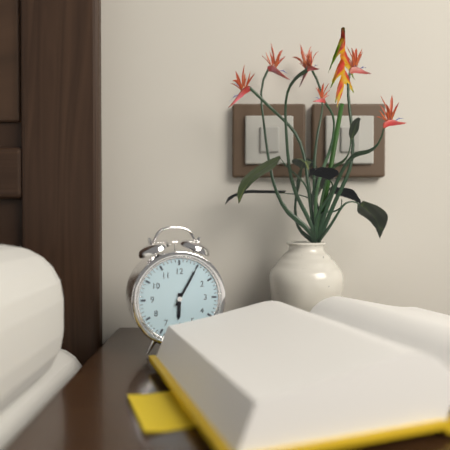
6:05
